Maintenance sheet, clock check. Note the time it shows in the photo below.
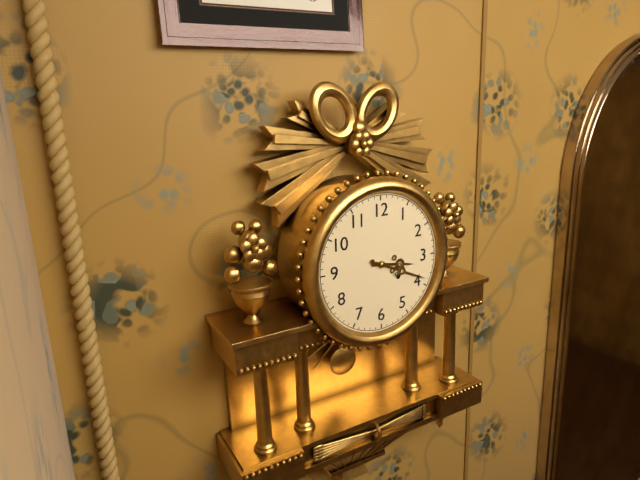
3:19
